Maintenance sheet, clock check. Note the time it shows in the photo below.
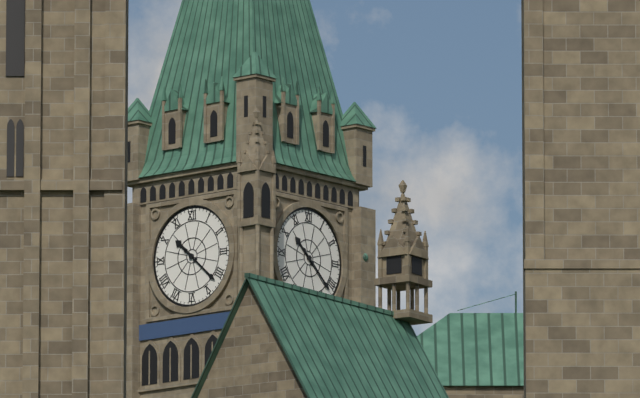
10:22
